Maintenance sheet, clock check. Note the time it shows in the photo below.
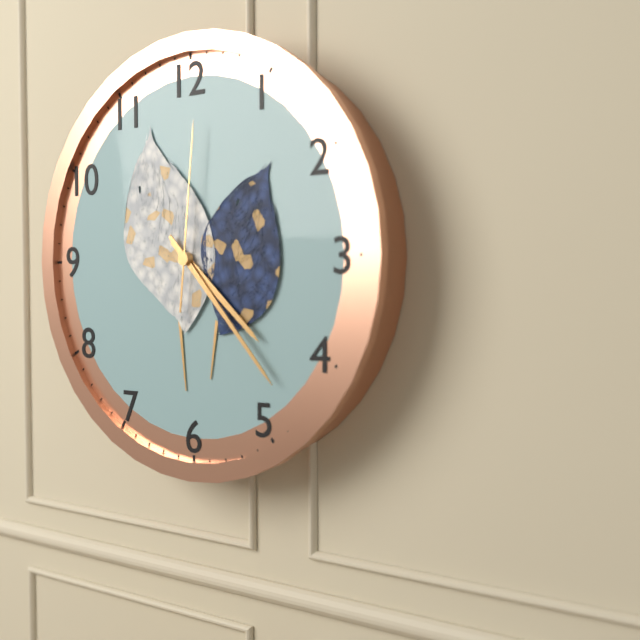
4:23:01
